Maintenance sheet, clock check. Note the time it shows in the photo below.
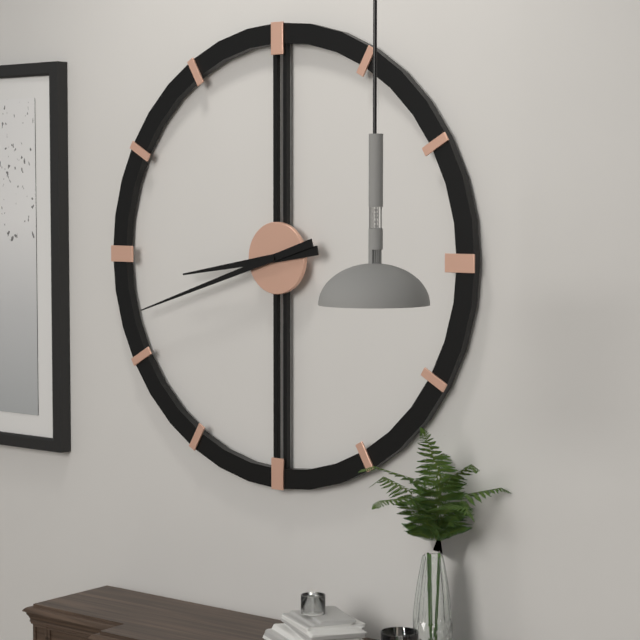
8:42
